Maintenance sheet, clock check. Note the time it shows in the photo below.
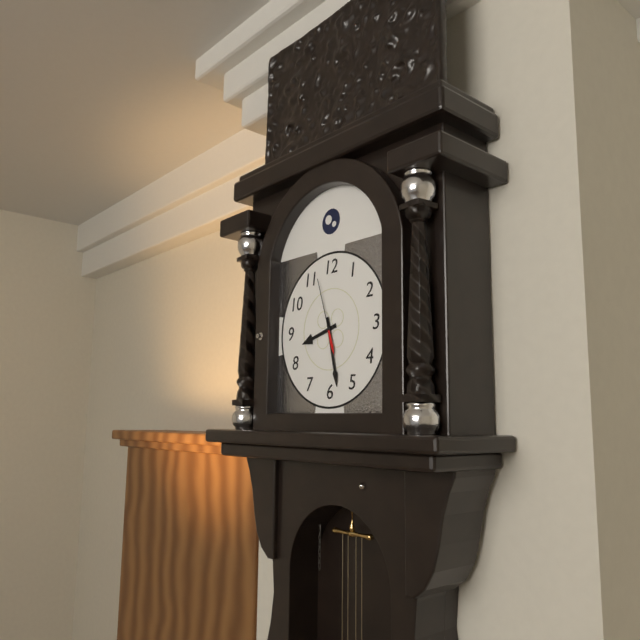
8:28:57
